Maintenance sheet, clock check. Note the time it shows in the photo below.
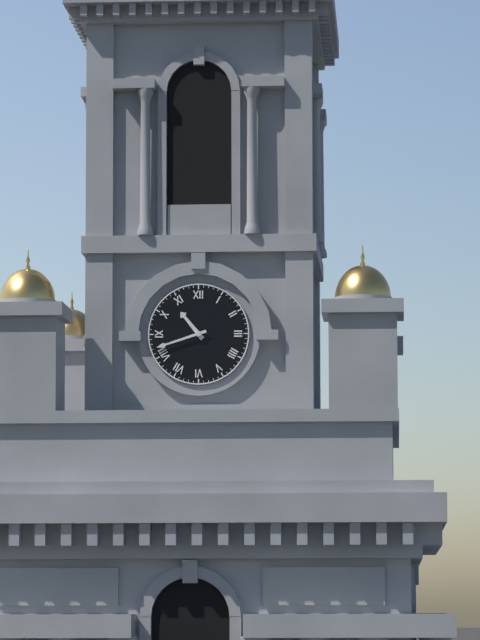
10:42
